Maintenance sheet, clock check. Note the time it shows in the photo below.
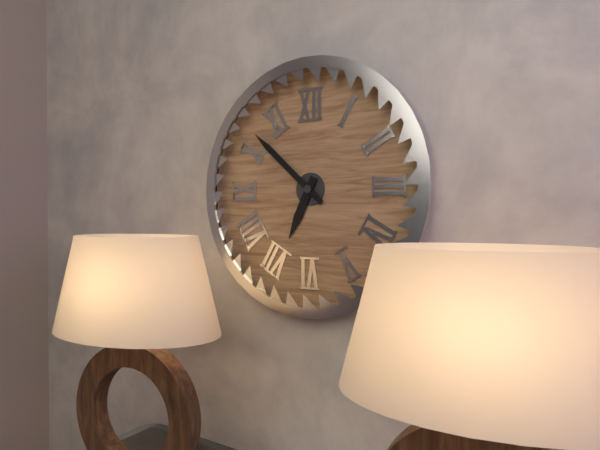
6:52
